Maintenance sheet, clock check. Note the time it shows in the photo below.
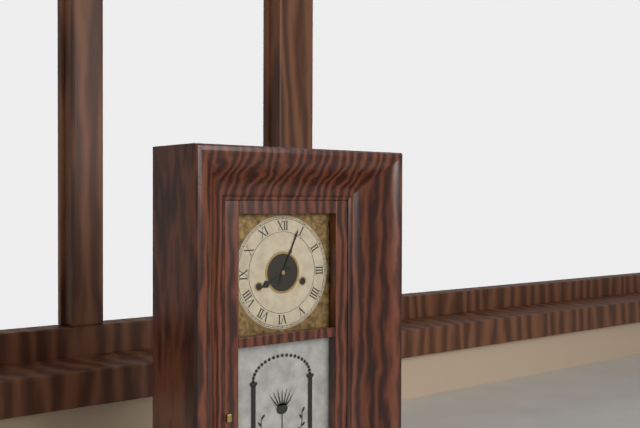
8:04
